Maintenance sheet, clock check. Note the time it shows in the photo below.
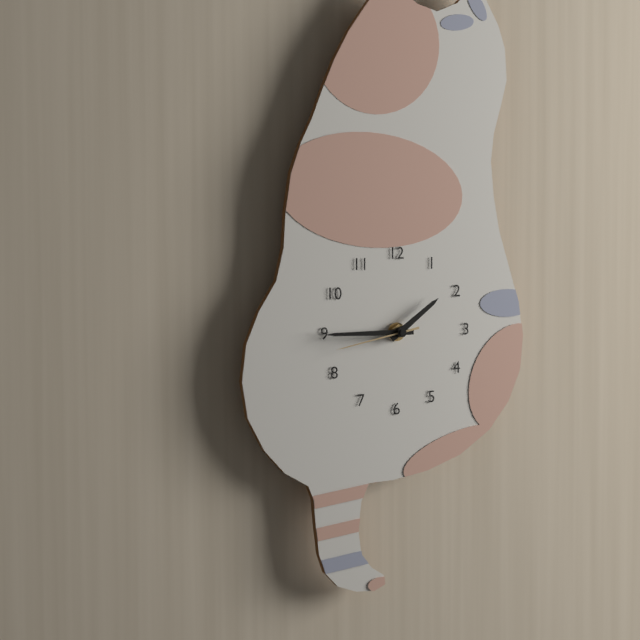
1:45:43
